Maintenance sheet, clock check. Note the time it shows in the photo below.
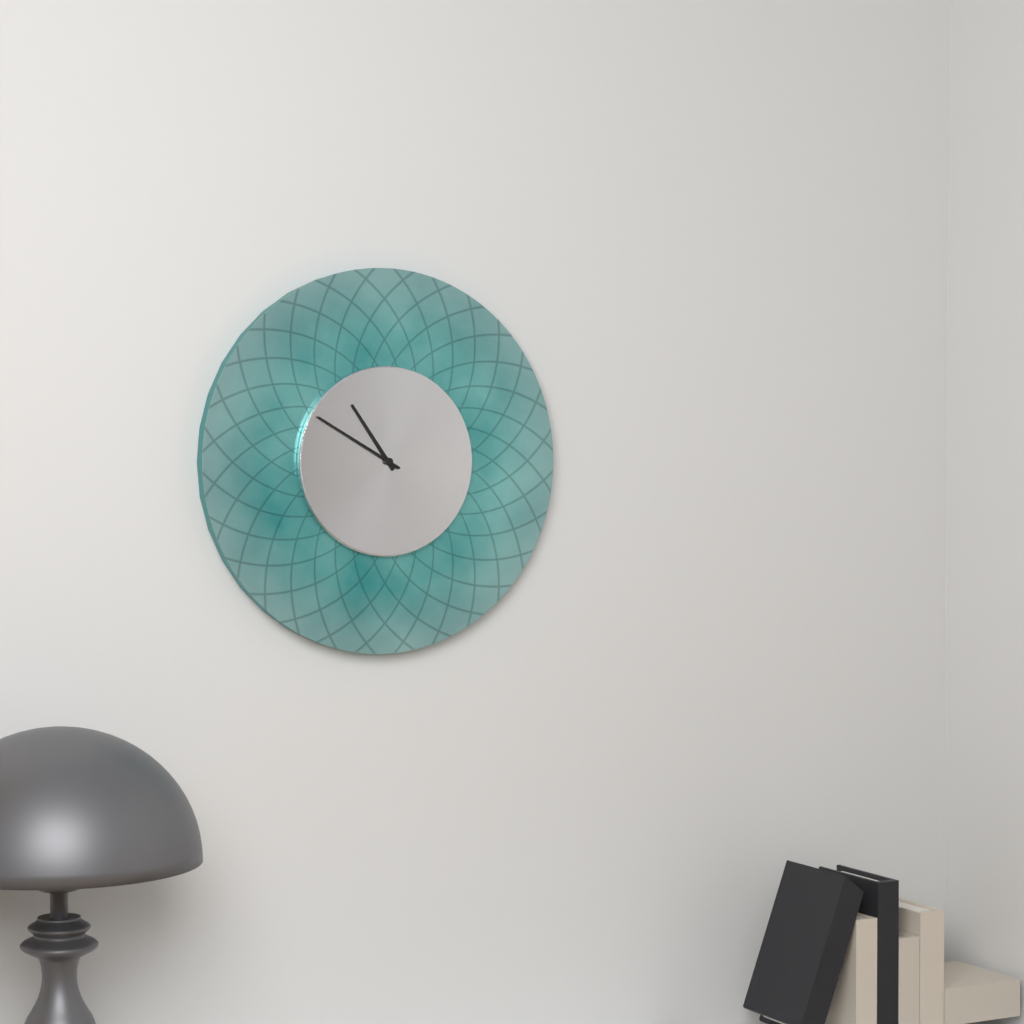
10:50
